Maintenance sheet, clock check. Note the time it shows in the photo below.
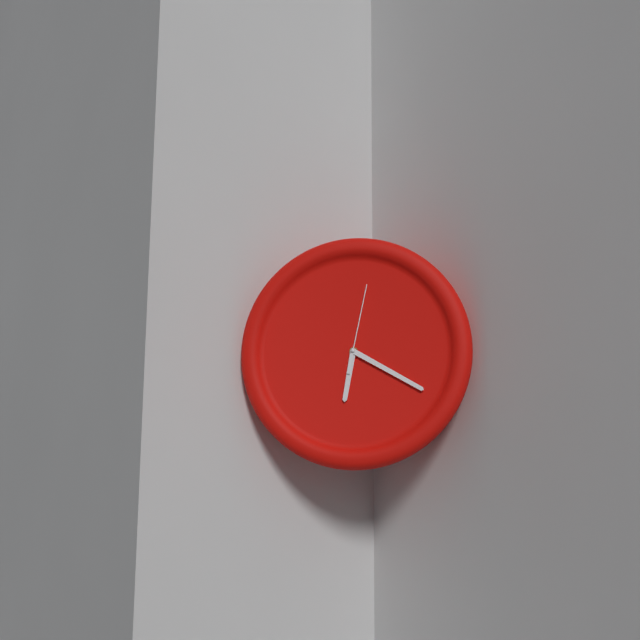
6:20:02
